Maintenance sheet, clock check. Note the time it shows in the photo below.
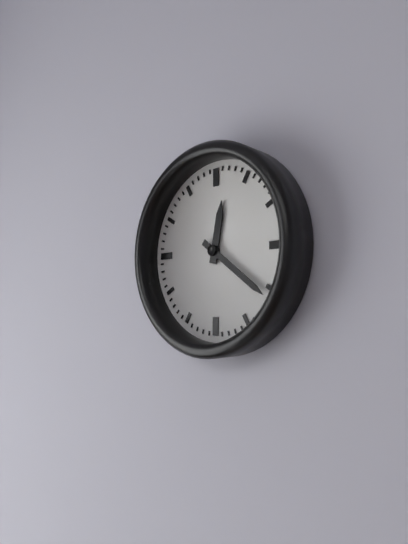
12:21
